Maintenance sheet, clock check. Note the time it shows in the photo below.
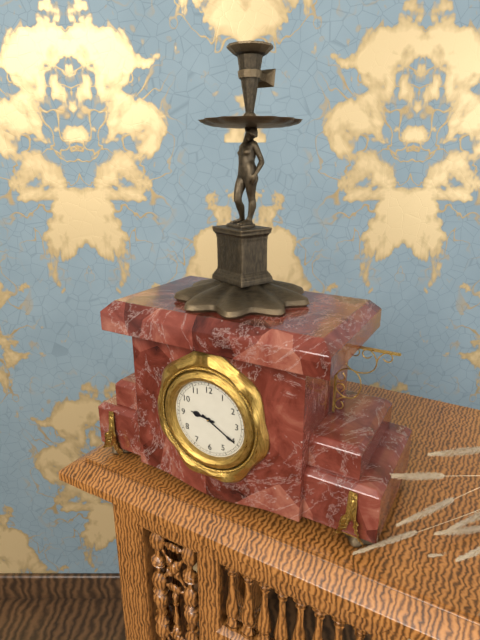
9:20
